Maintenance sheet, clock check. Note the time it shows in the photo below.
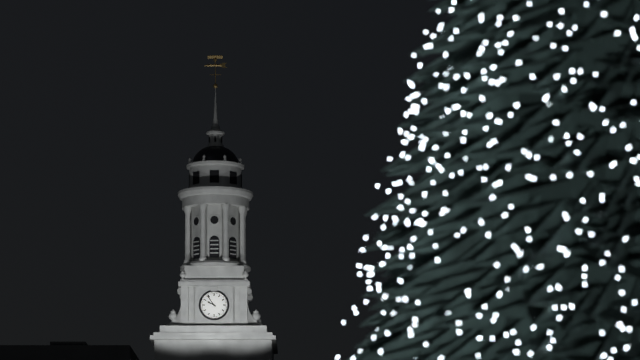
9:54
